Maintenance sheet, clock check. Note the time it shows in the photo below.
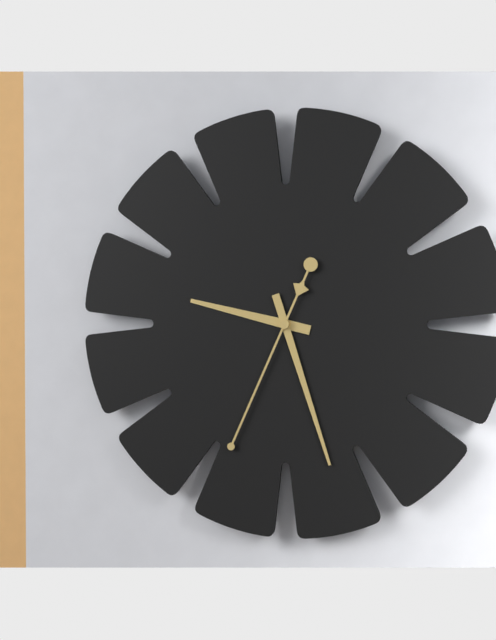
9:27:34
